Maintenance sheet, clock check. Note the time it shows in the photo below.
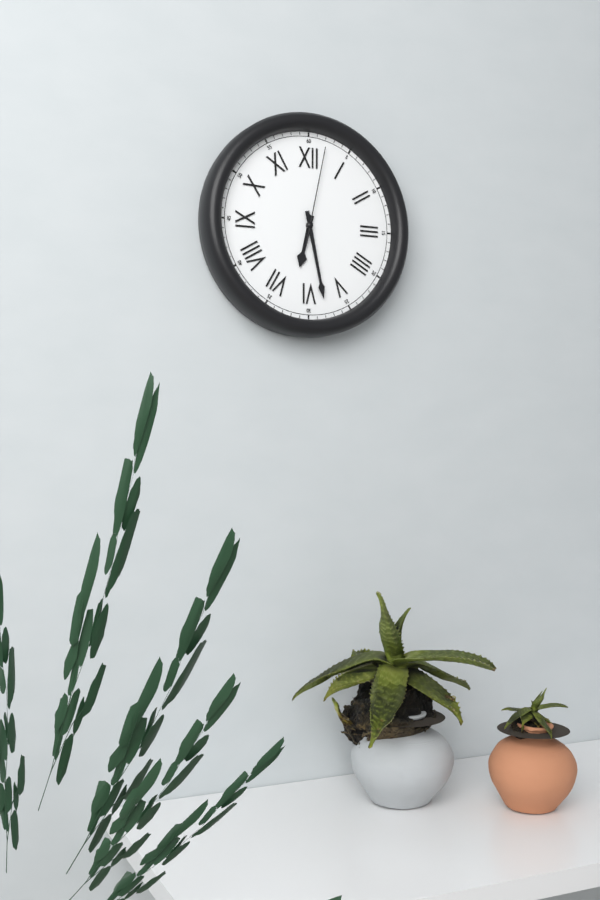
6:28:02
